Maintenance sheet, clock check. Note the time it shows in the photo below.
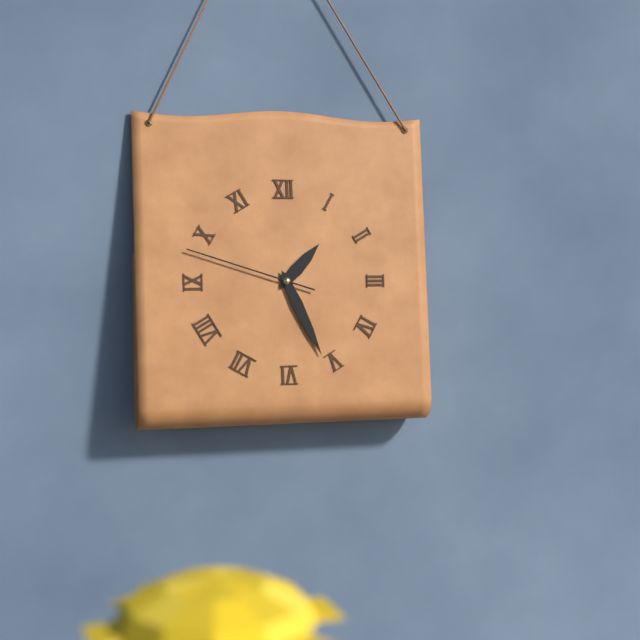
1:26:48
